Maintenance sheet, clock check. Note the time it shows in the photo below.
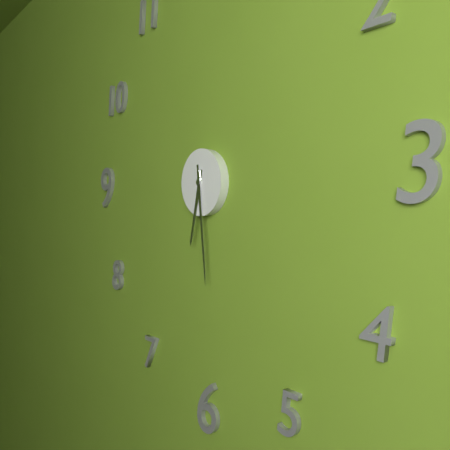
6:29
